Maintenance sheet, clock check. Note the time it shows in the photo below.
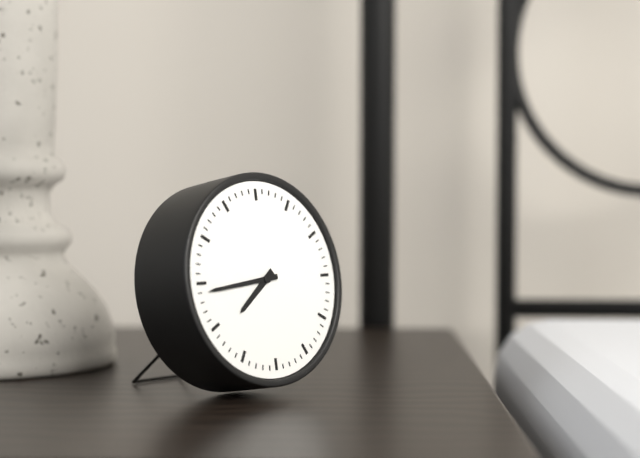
7:44
